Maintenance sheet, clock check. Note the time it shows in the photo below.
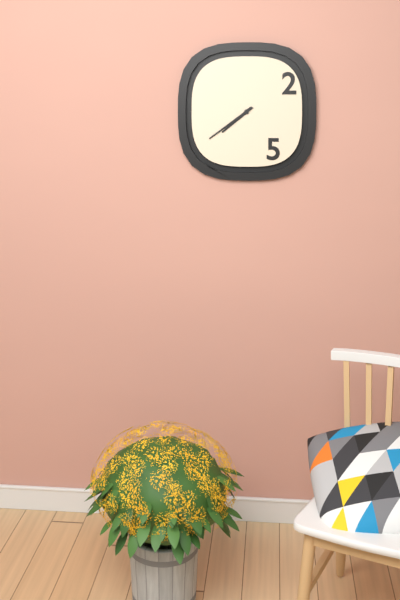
7:39
